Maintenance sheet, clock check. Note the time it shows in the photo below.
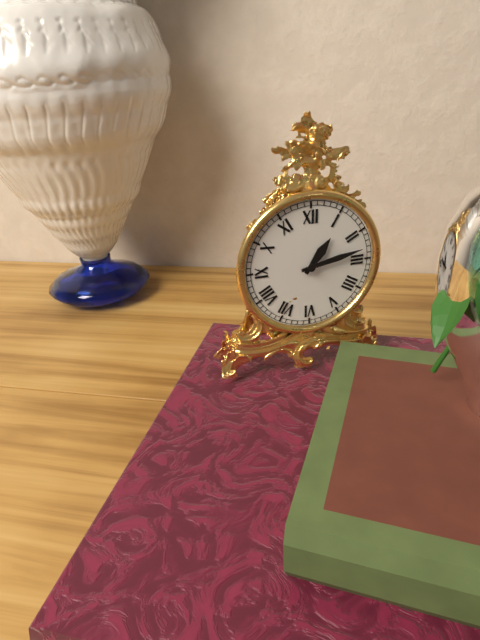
1:13
